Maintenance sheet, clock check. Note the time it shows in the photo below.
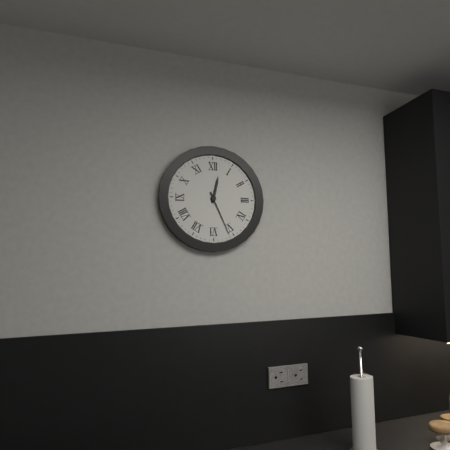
12:26
